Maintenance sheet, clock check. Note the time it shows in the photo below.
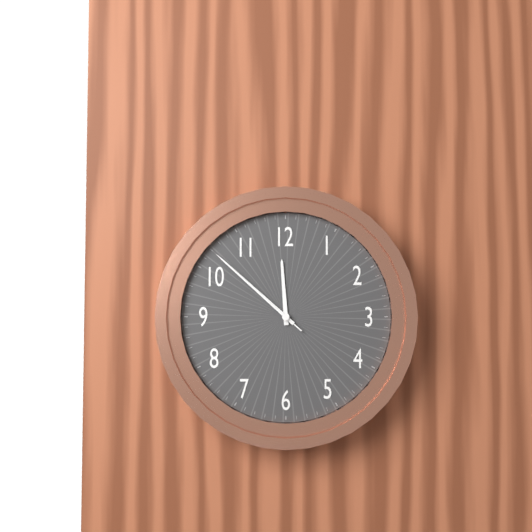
11:52:52
